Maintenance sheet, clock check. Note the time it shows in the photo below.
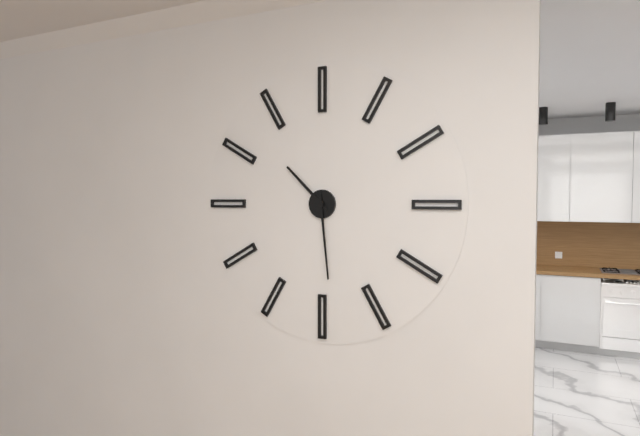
10:29
